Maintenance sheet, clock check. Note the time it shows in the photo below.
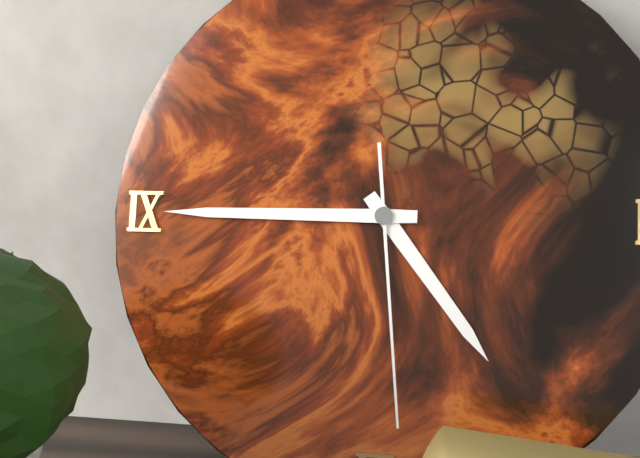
4:45:29
